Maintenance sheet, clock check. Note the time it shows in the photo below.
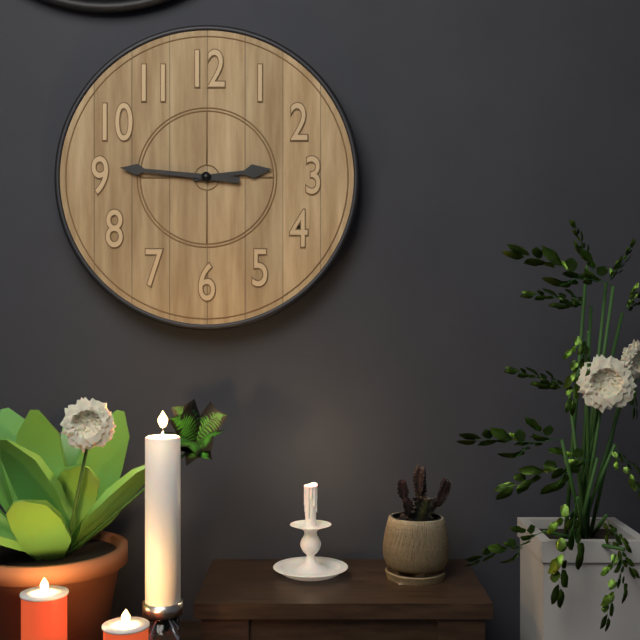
2:46
